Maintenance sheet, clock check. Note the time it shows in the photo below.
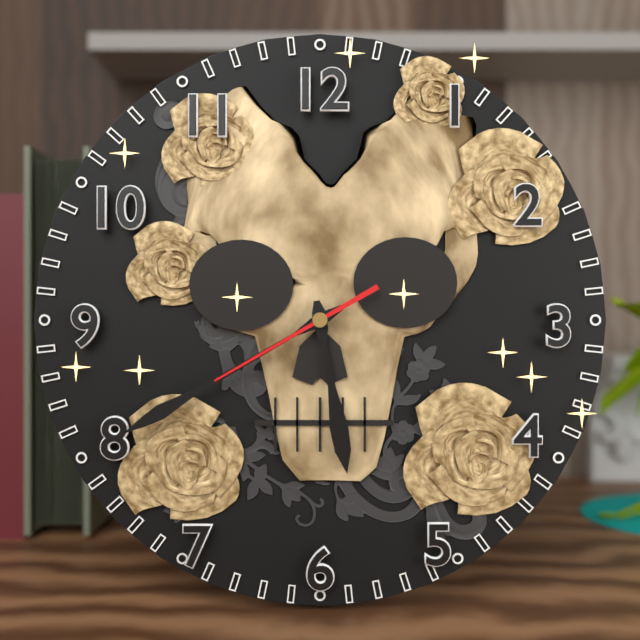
5:40:40
